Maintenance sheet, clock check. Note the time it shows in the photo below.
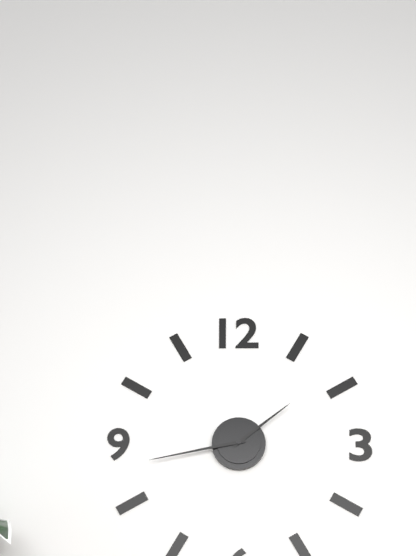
1:43
